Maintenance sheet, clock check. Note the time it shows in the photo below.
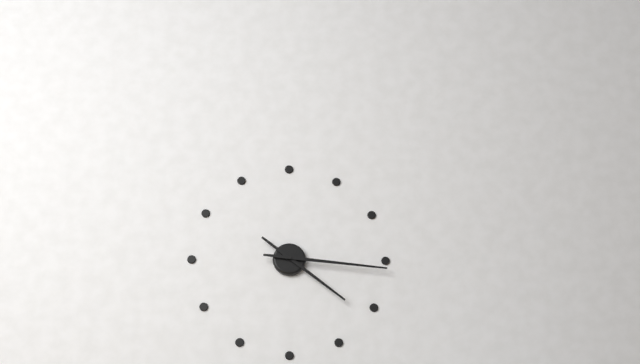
4:16
